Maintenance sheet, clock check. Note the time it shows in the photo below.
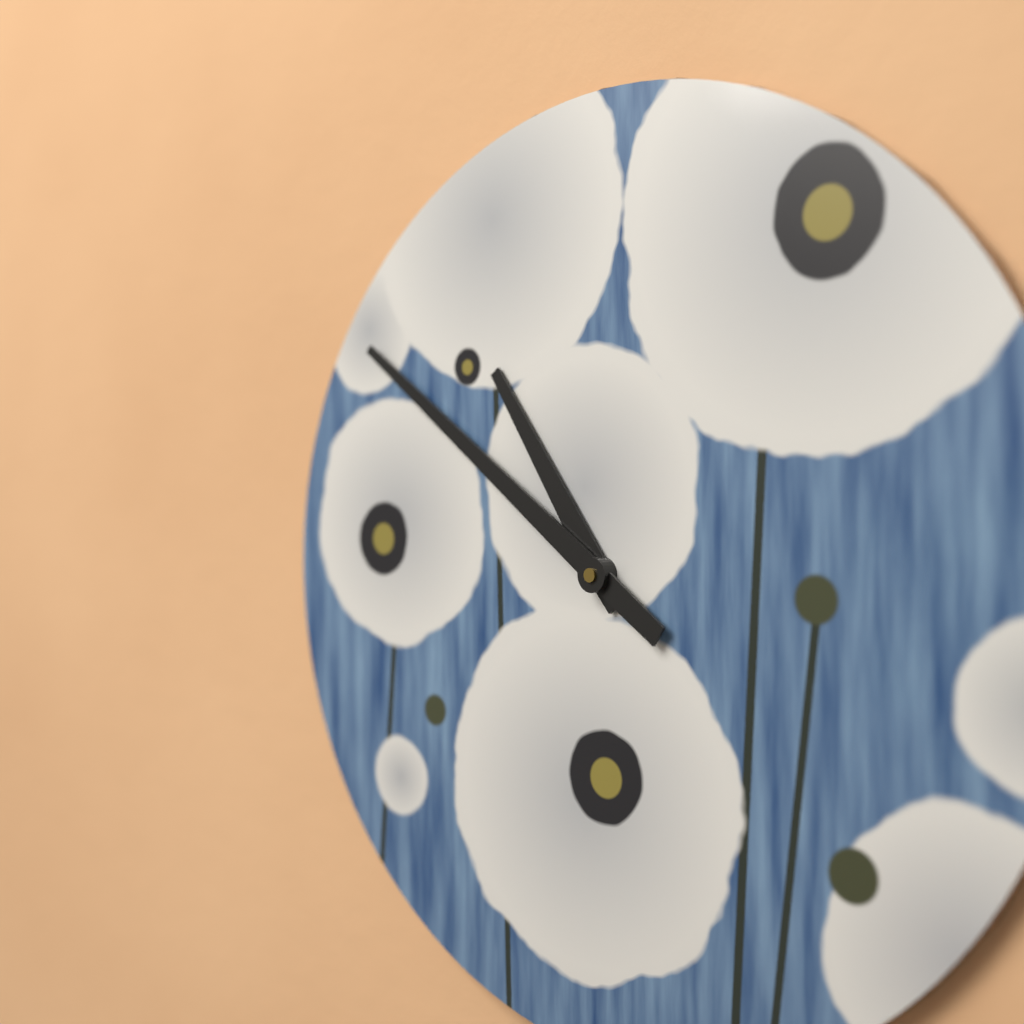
10:51
